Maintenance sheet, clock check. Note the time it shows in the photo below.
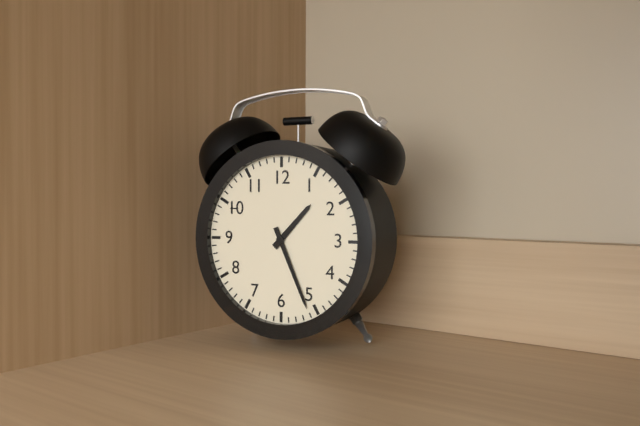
1:26
